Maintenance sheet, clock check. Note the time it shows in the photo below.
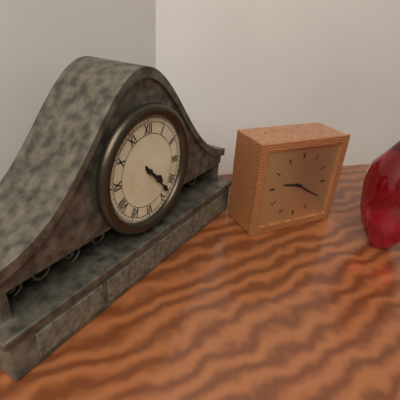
4:23
